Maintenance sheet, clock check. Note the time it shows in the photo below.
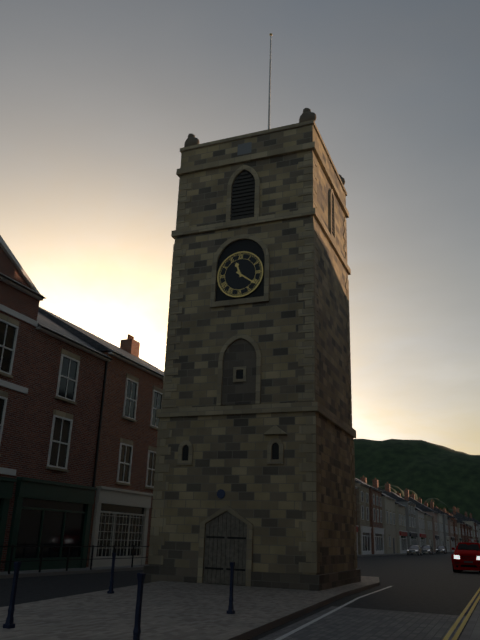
11:21
